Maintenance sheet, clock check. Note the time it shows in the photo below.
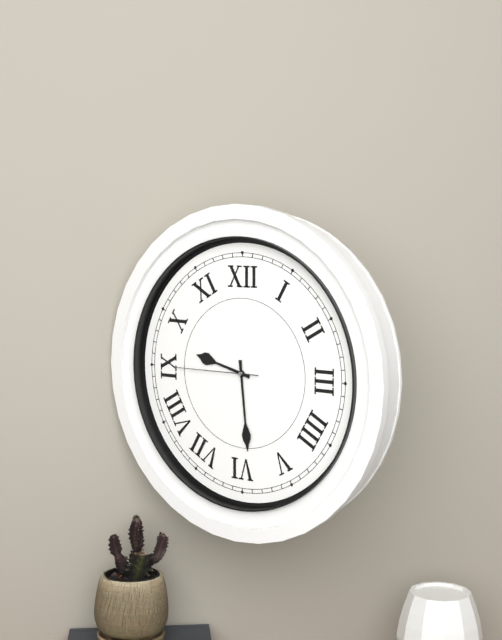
9:29:45
